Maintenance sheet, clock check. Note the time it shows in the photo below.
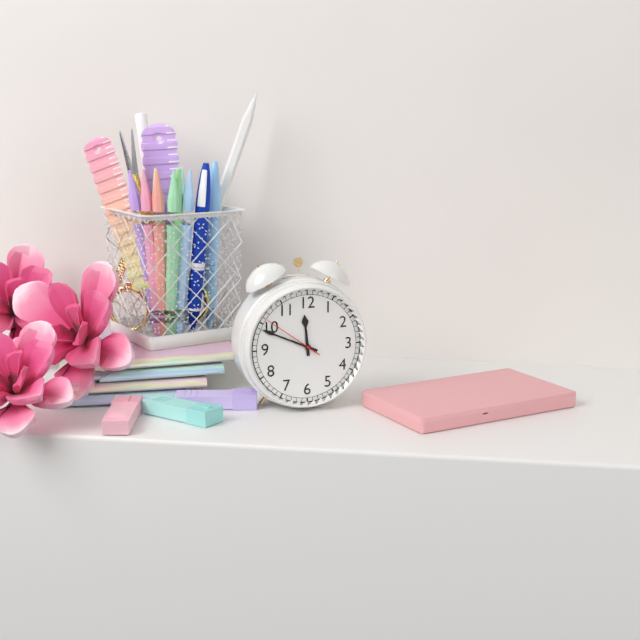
11:49:51
